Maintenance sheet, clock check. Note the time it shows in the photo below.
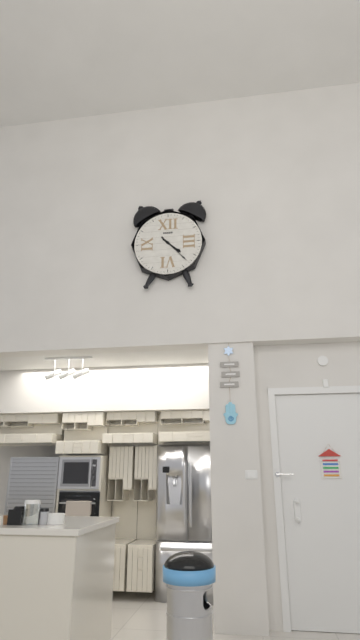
4:23
